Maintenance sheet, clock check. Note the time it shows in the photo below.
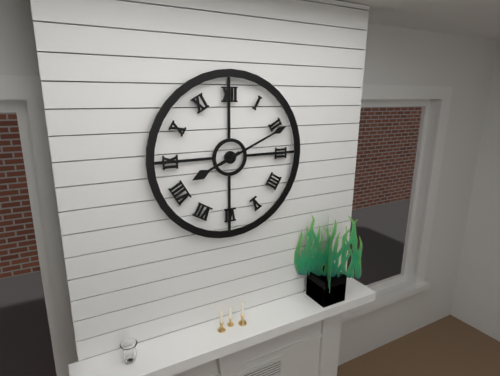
8:11
